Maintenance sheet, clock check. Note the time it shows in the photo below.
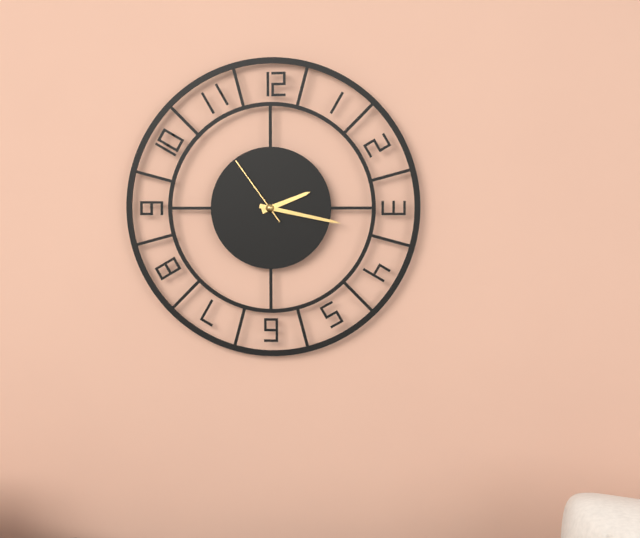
2:17:54
